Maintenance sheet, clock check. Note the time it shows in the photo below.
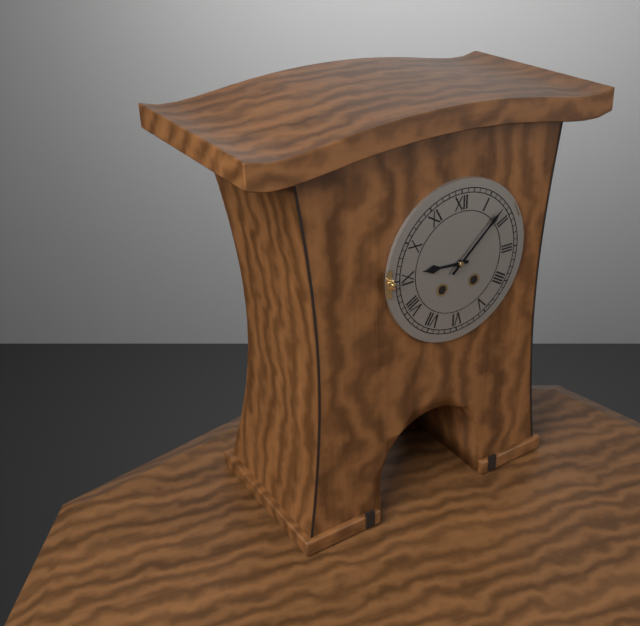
9:08
